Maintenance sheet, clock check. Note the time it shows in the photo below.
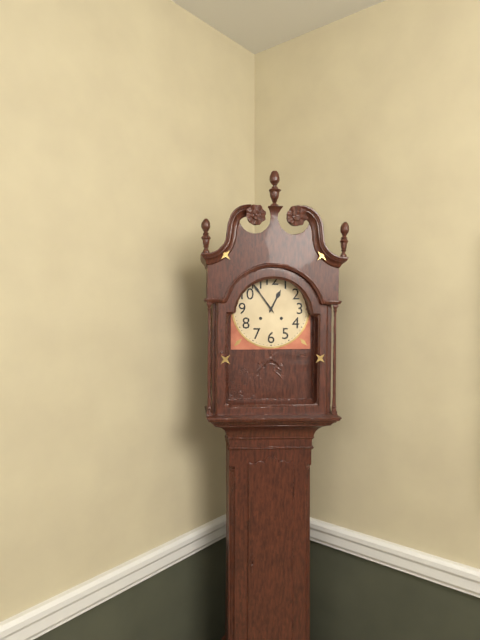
12:54
